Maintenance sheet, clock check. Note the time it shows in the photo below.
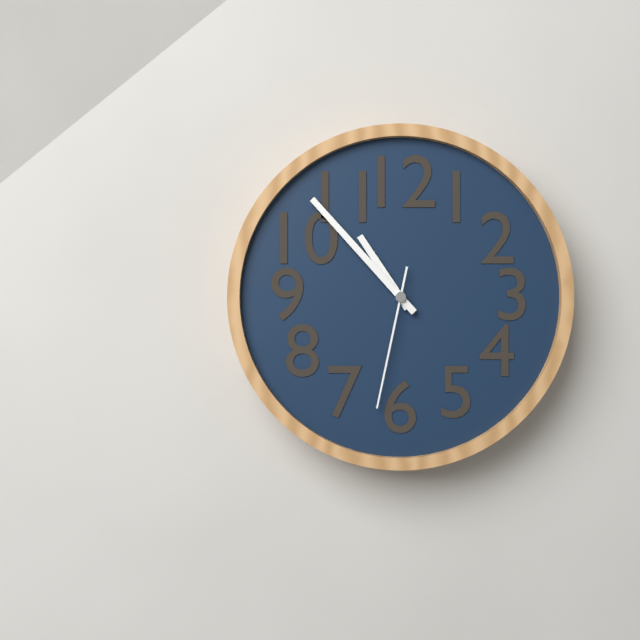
10:53:32
